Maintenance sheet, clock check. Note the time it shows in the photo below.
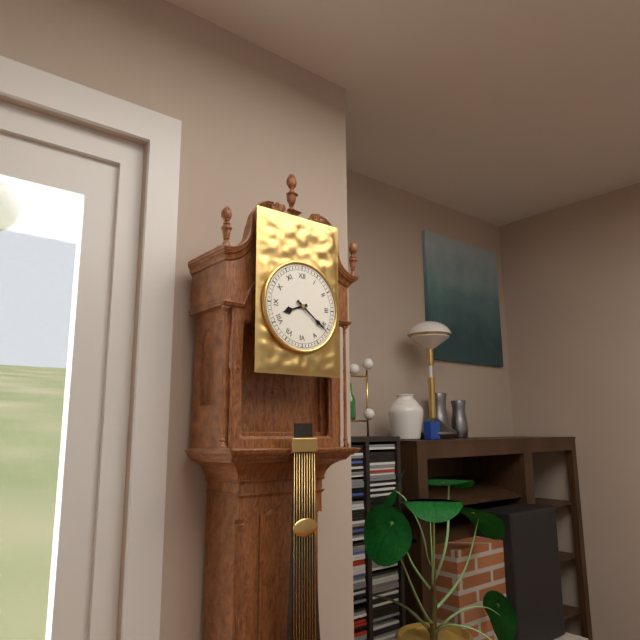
8:21
